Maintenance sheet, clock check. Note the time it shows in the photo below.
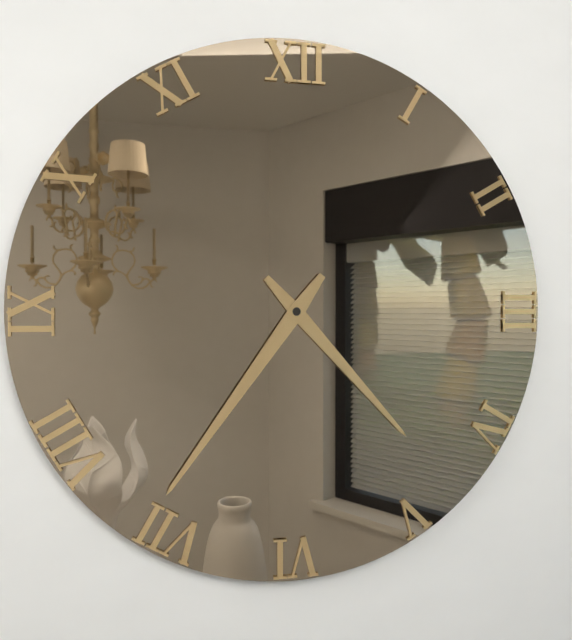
4:36
